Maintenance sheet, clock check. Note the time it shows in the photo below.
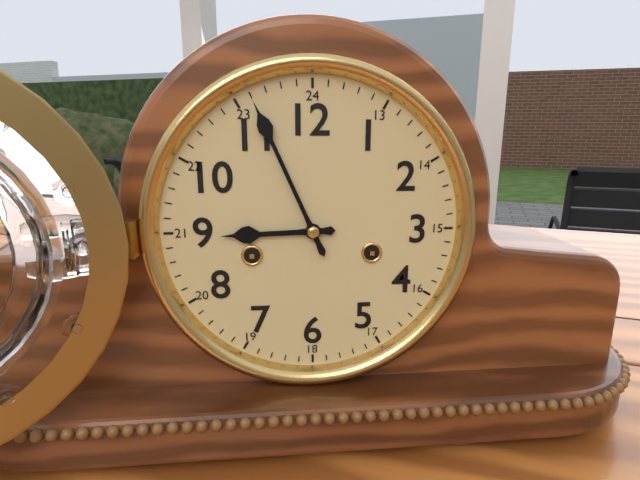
8:56
